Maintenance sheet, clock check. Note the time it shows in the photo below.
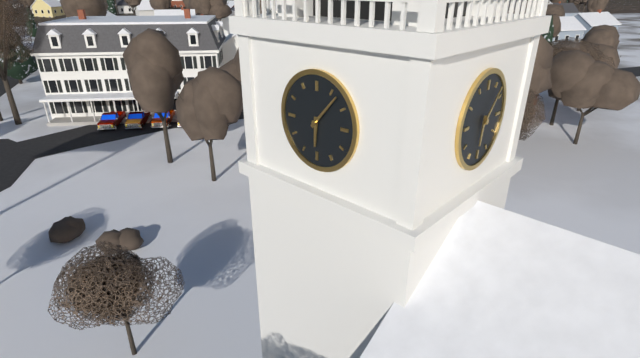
6:07
